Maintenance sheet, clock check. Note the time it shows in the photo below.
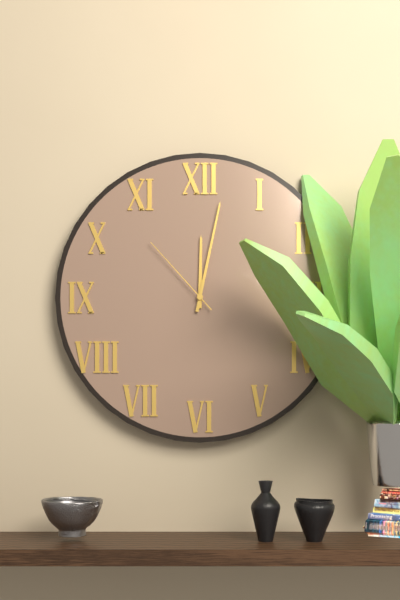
12:02:53
